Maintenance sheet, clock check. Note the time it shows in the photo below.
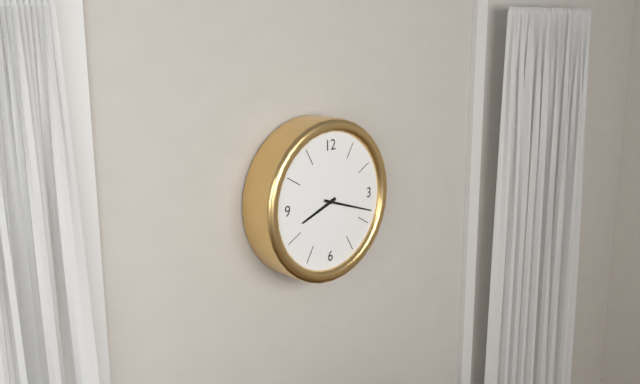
8:18
